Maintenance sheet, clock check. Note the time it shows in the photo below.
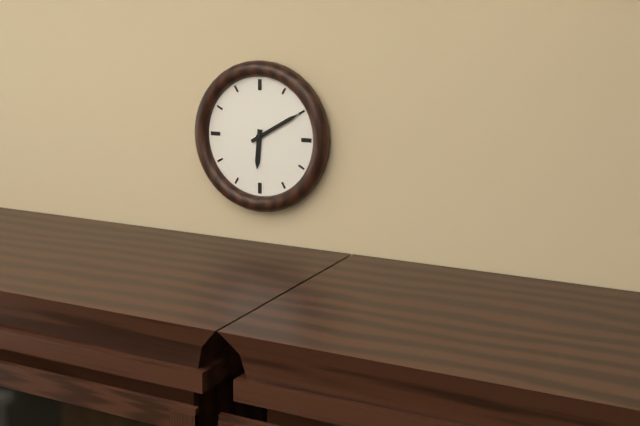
6:10
